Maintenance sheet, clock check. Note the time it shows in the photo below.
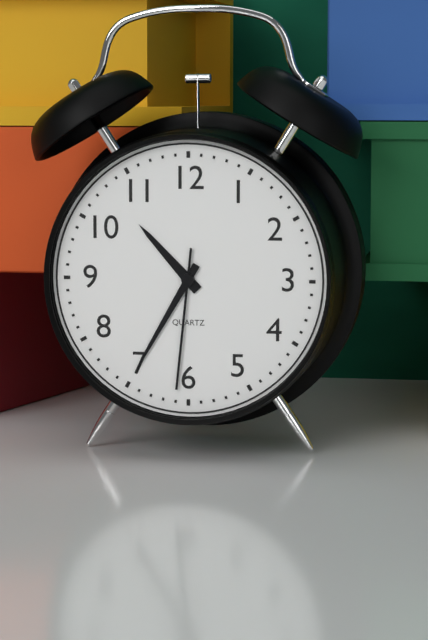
10:35:31
